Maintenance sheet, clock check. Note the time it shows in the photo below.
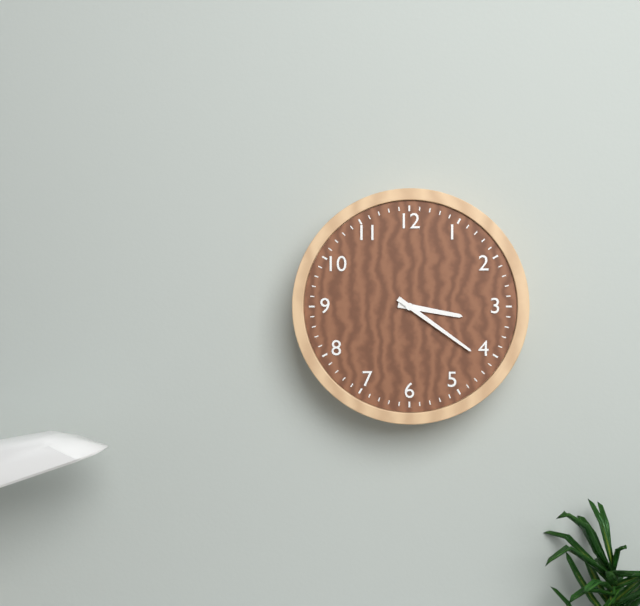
3:21
